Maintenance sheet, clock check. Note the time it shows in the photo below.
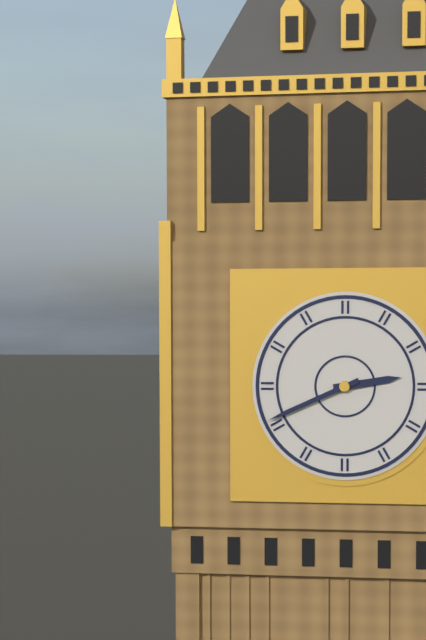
2:41
